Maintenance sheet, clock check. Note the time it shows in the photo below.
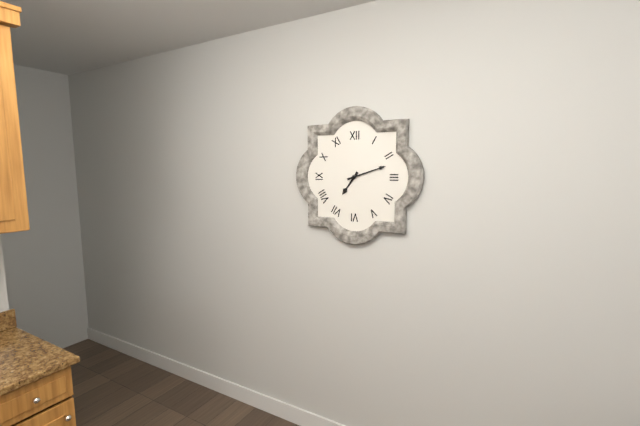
7:12
